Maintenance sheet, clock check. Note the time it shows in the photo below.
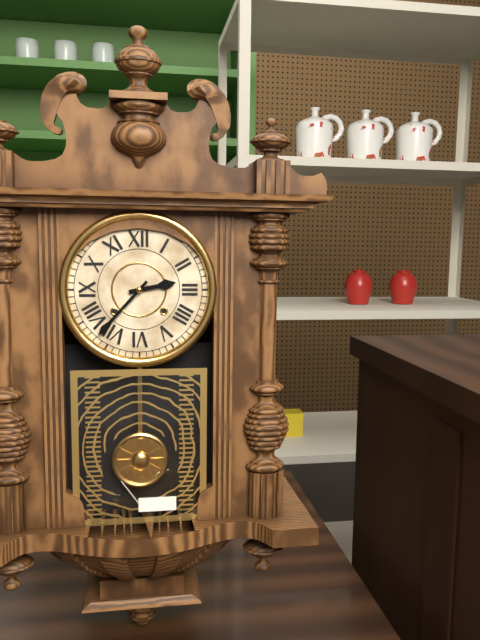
2:37
